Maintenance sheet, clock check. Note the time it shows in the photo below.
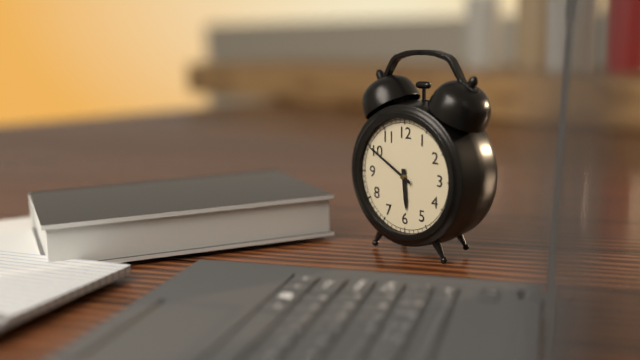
5:50
